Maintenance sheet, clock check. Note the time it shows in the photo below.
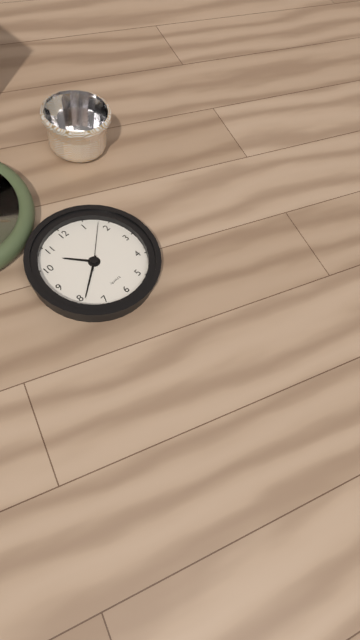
10:39:08
